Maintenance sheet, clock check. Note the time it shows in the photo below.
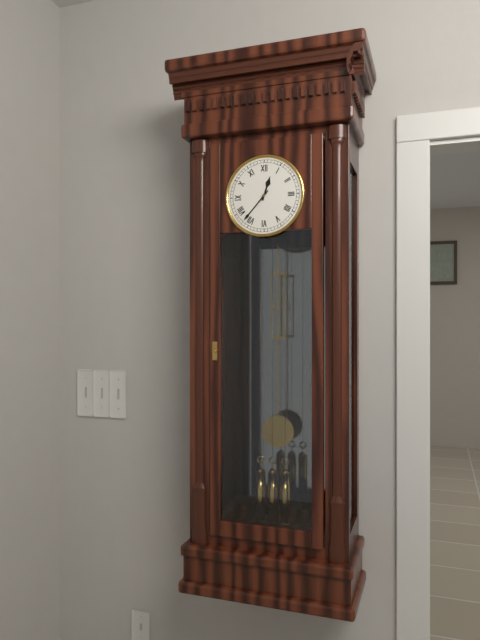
12:37
